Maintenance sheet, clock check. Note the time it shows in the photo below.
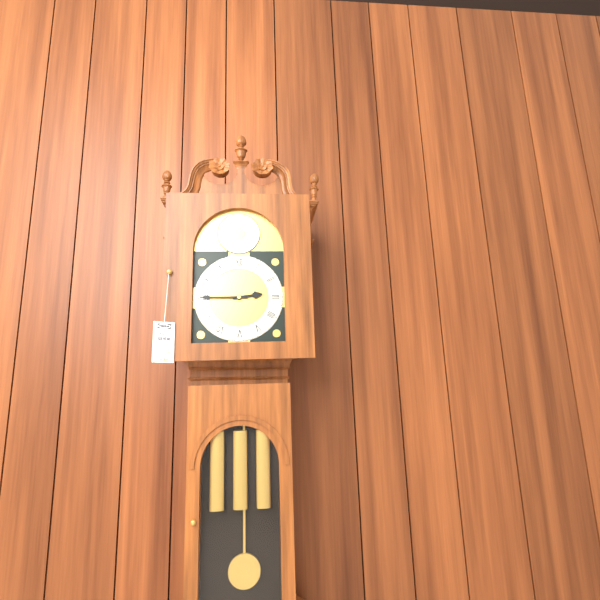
2:45
